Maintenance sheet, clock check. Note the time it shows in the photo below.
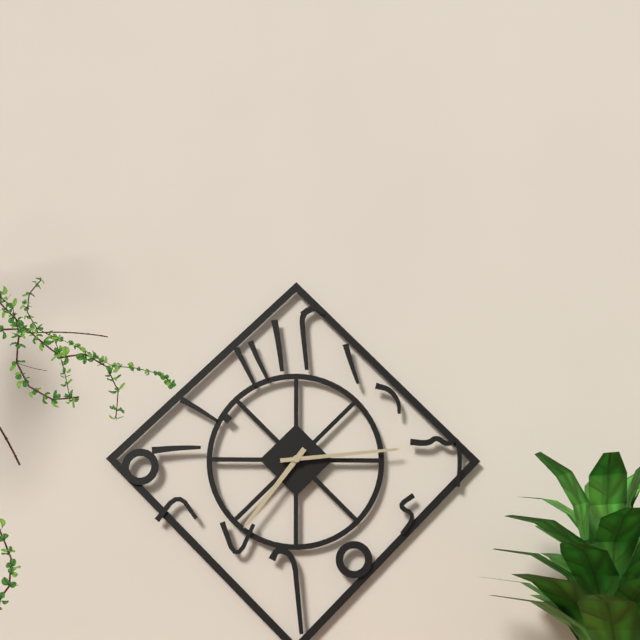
7:14
